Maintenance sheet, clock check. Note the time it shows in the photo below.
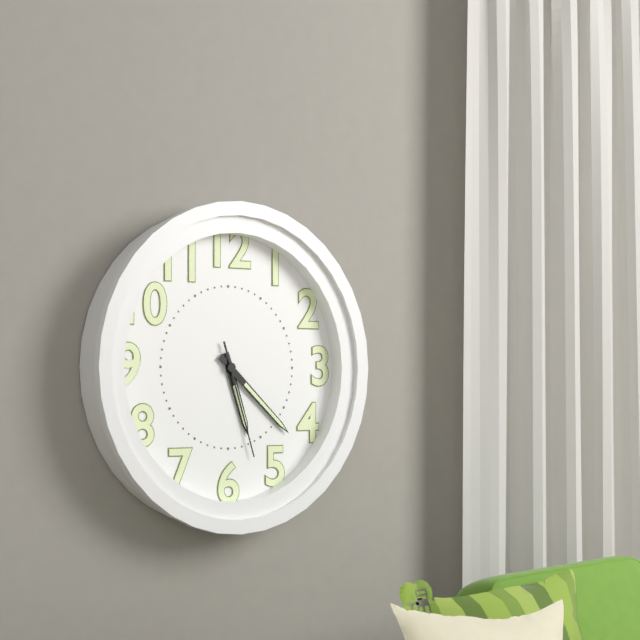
5:22:27
